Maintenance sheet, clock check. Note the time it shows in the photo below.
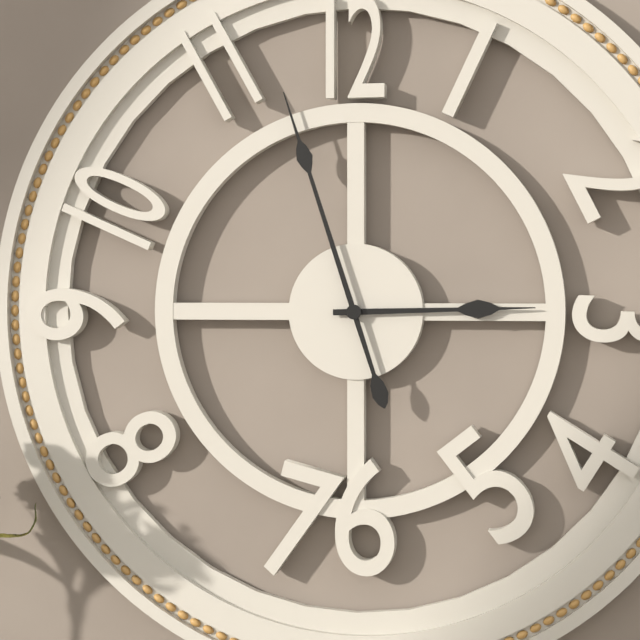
2:57
